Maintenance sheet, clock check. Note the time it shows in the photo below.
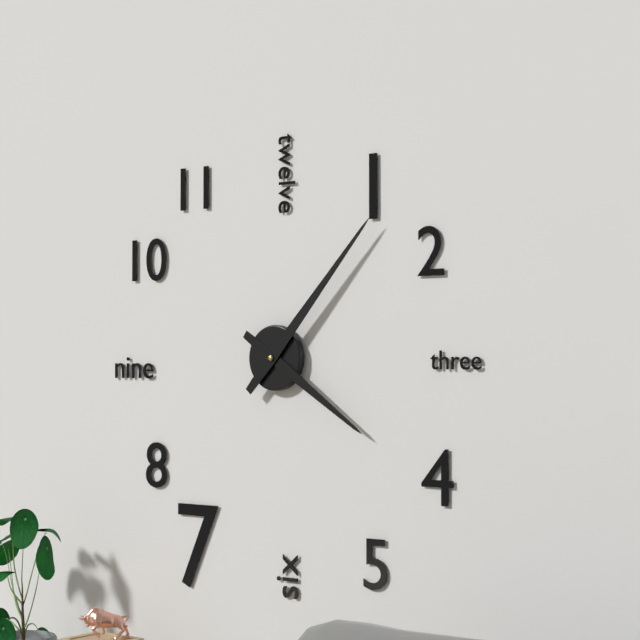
4:07
